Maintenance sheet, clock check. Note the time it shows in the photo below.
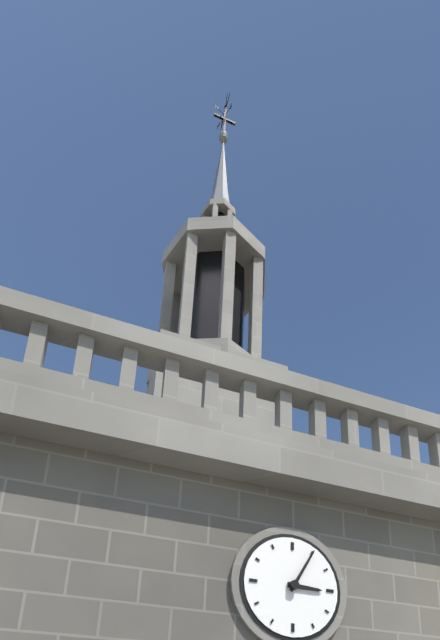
3:05
